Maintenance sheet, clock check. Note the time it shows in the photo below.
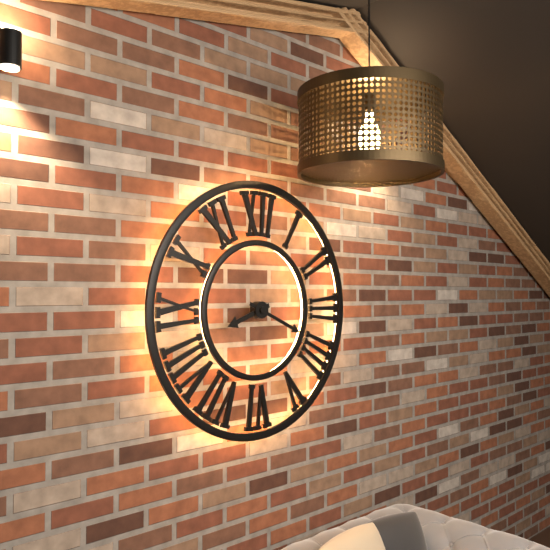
8:19
